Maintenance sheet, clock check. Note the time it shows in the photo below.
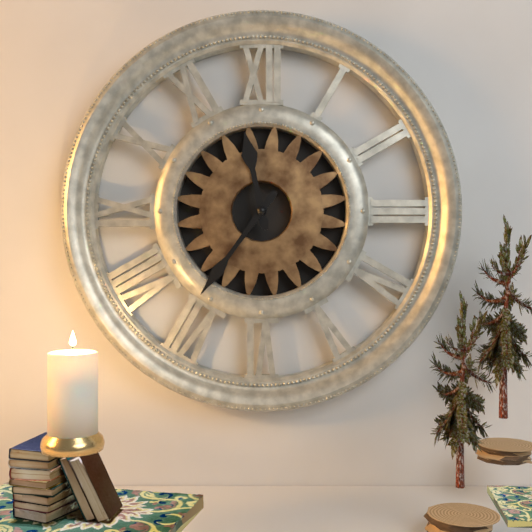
11:36
